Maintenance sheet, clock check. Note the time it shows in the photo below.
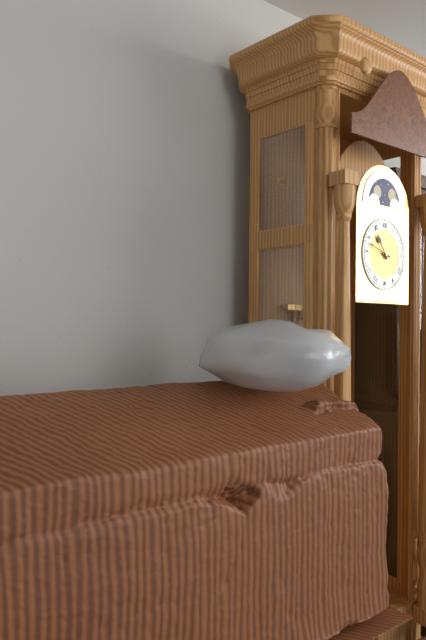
10:48
